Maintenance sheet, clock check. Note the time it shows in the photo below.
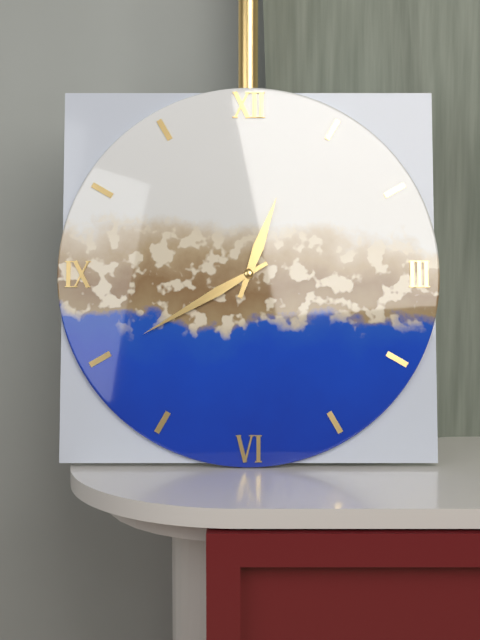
12:40
